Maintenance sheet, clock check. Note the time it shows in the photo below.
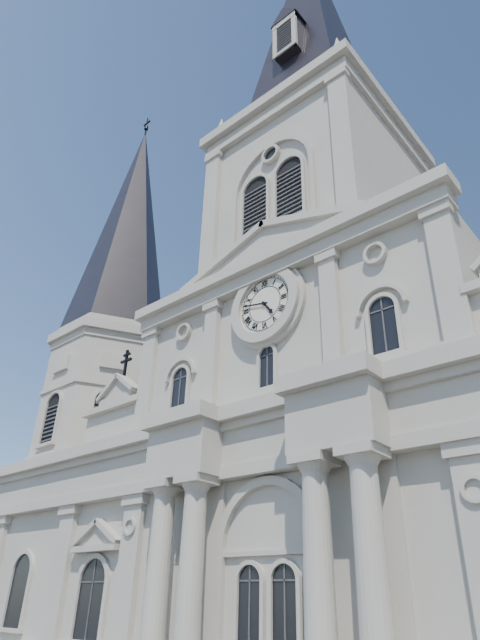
4:47
